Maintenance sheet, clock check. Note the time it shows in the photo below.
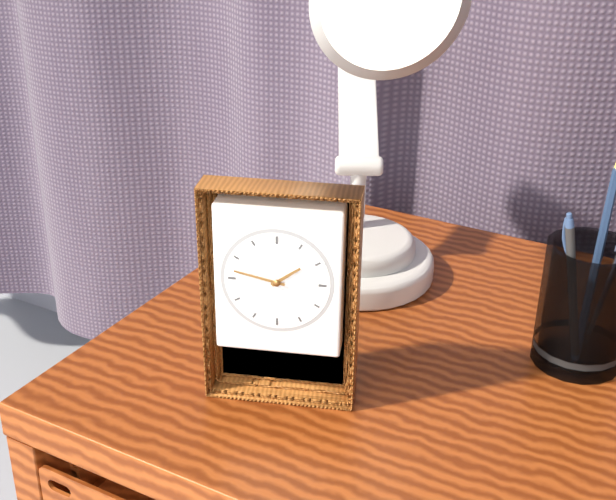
1:47
